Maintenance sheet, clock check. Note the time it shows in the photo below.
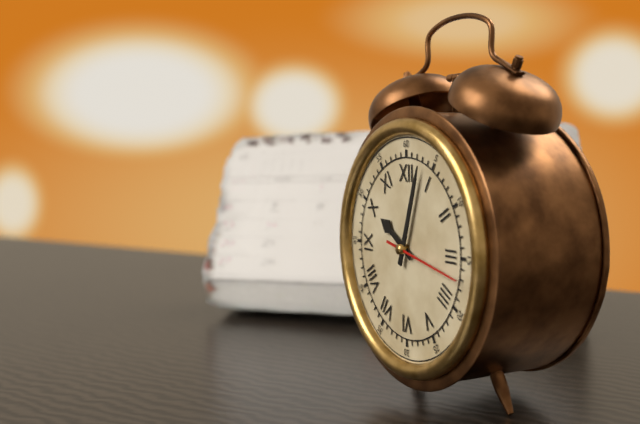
10:03:17
